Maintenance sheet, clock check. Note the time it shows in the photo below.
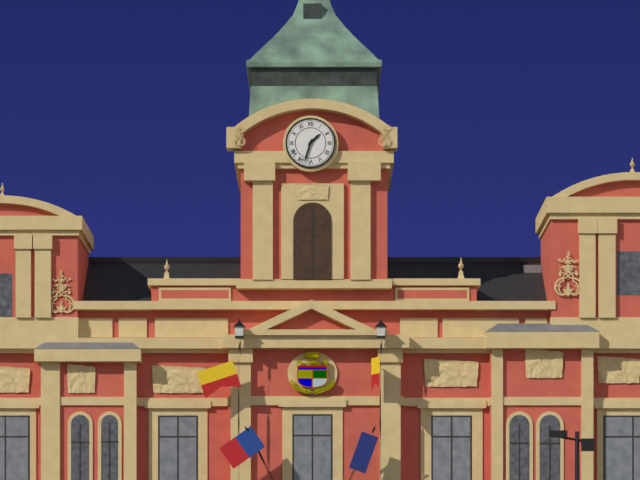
1:33
